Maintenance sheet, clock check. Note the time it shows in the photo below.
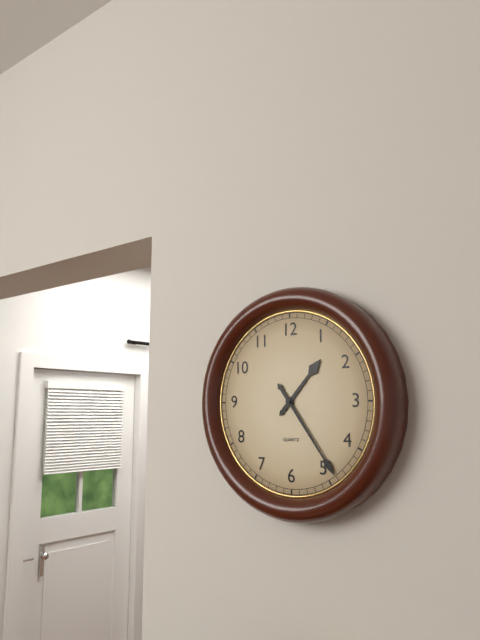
1:24
